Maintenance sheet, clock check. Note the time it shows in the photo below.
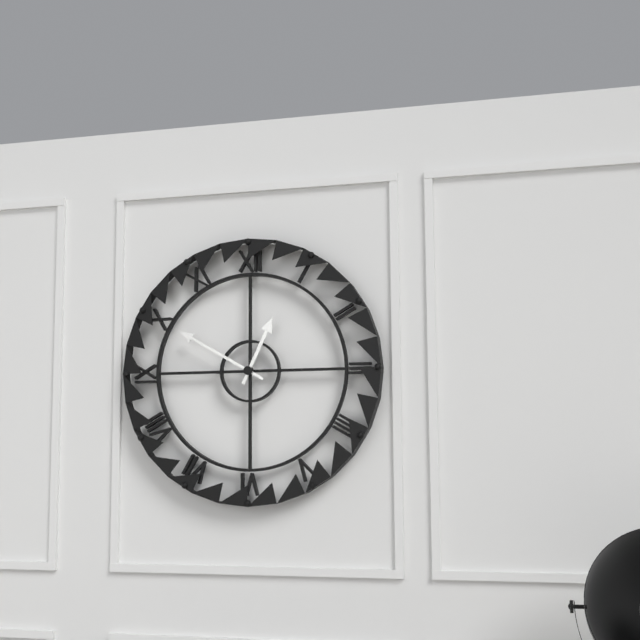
12:50
